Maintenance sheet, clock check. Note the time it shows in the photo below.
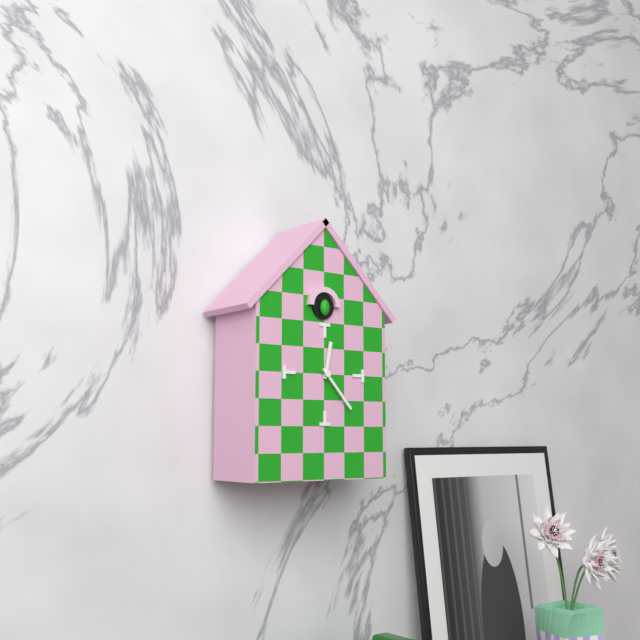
12:23
